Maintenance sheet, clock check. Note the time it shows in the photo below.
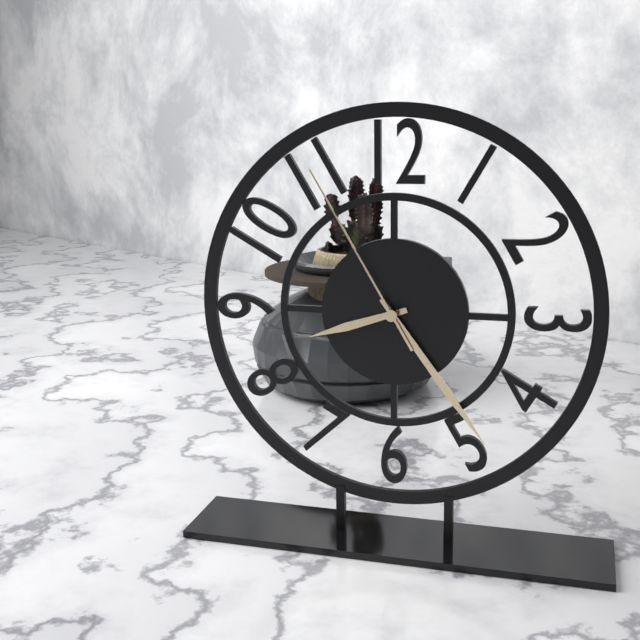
8:24:55
